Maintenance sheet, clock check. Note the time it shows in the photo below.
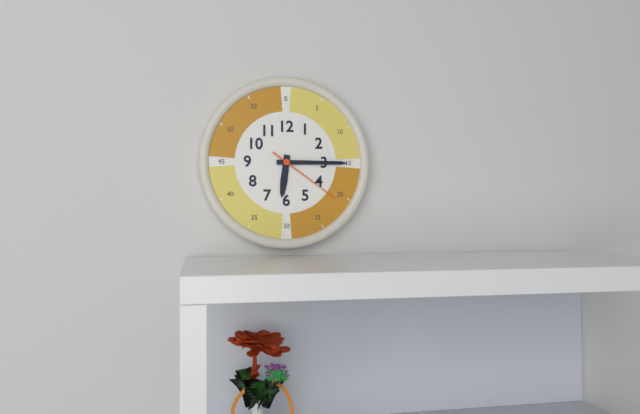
6:15:21
